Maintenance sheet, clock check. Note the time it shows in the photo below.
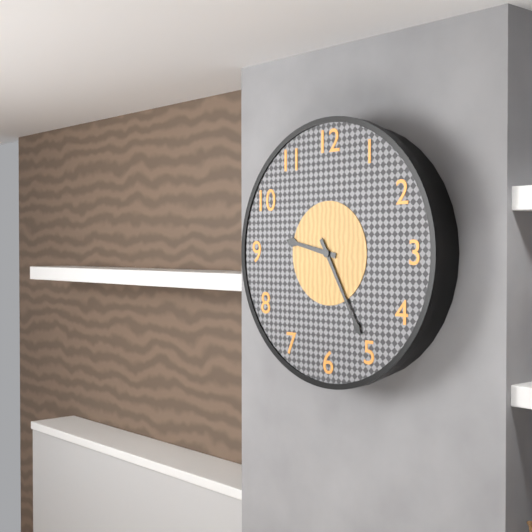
9:25
